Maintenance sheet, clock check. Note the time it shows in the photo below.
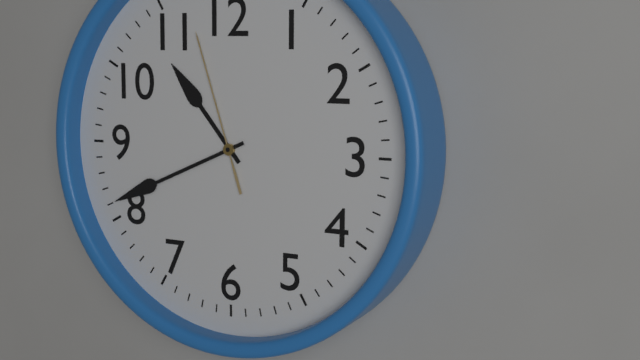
10:41:57
